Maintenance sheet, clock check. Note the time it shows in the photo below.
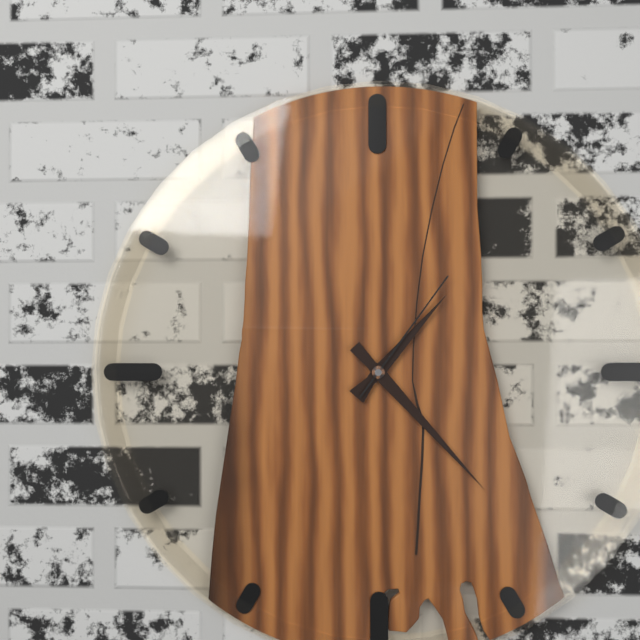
1:23:06
